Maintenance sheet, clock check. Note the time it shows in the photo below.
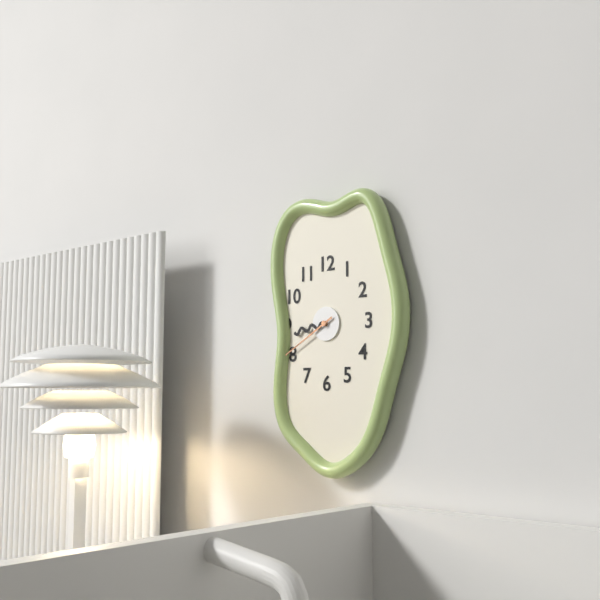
8:40
